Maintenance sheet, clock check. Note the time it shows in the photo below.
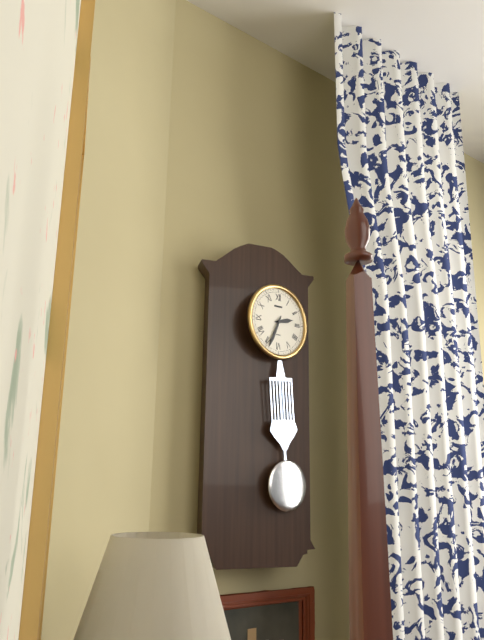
2:34
